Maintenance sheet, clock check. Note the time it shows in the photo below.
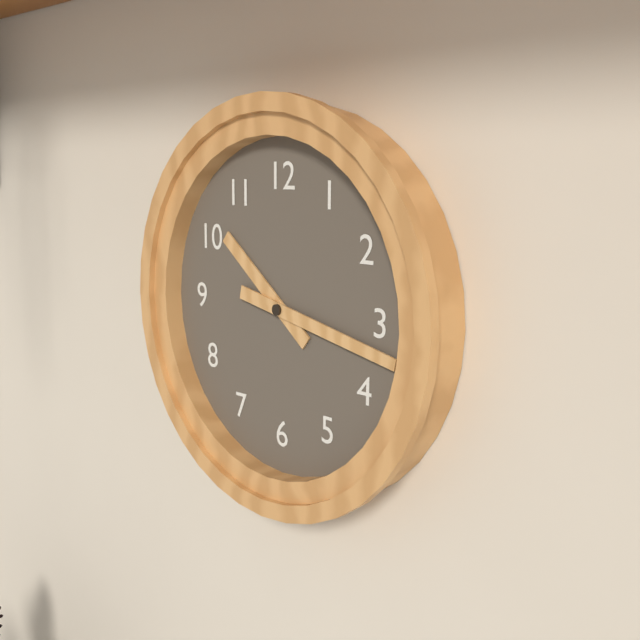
10:17
